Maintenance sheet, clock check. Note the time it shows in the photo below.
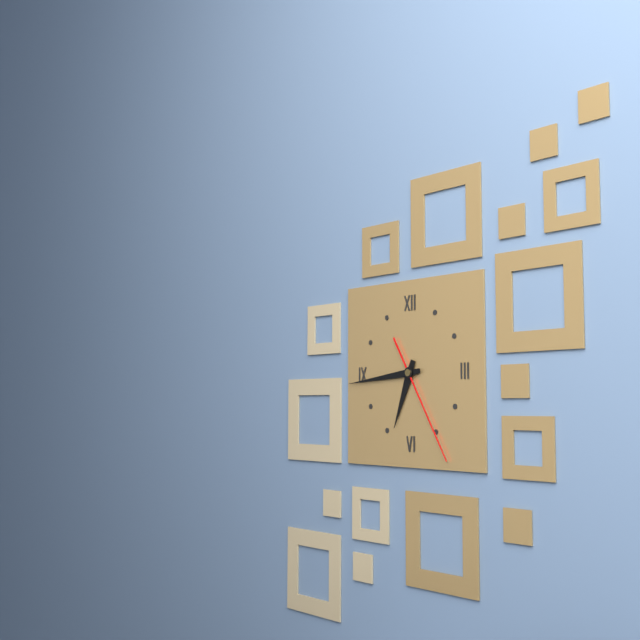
6:44:25
